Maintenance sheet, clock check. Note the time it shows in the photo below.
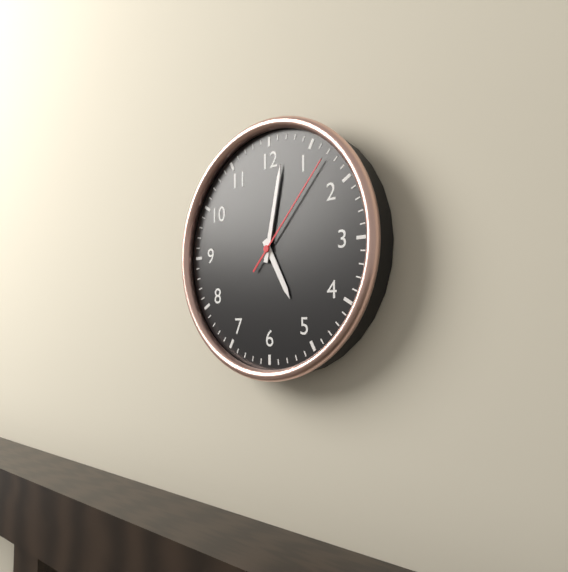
5:02:07
